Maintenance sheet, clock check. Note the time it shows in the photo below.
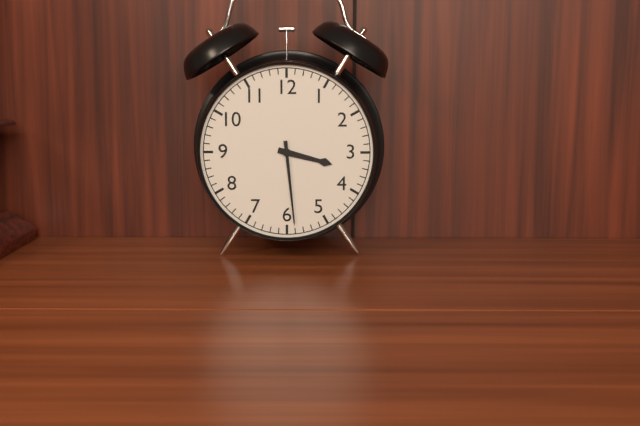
3:29
